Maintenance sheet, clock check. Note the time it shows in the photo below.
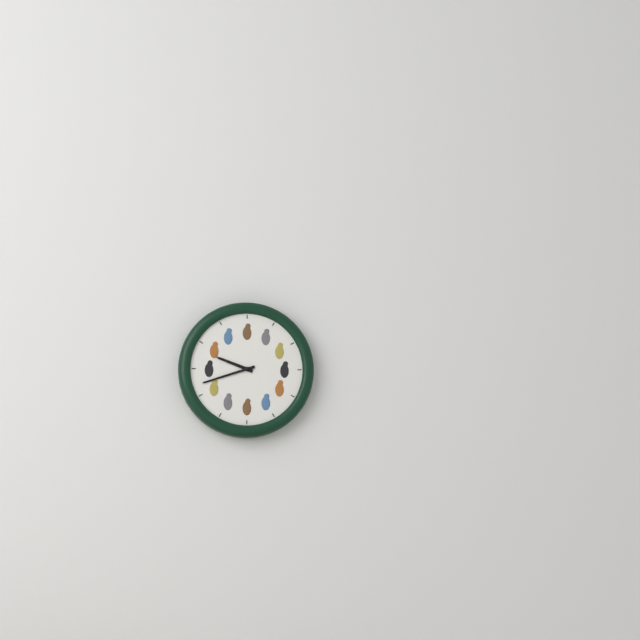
9:42
